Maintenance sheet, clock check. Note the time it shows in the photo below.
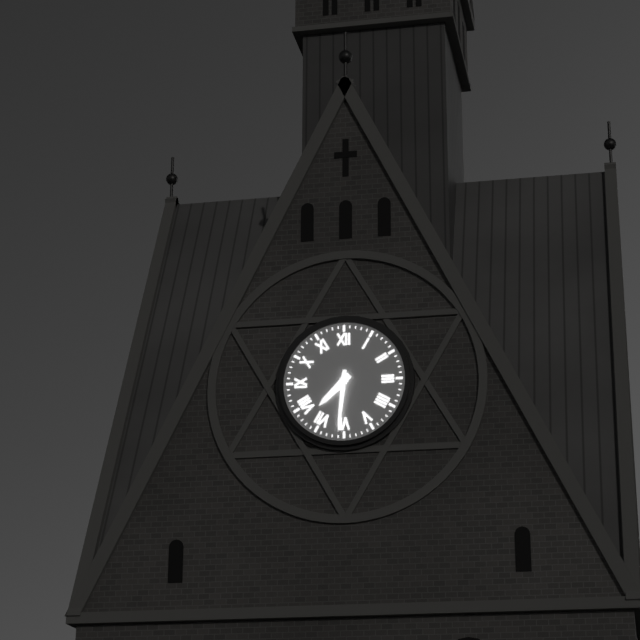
7:31
